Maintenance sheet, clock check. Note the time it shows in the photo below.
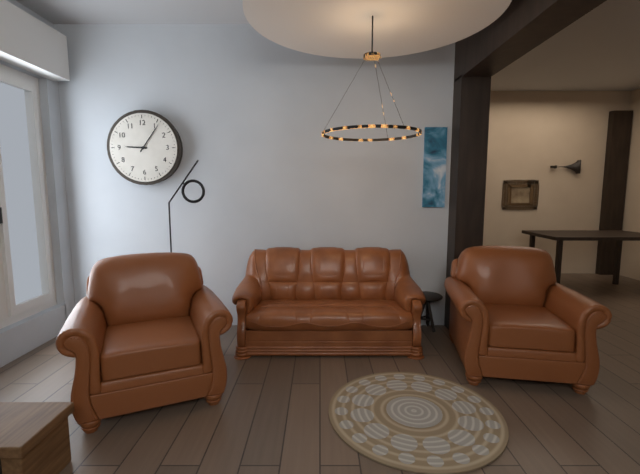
9:06
